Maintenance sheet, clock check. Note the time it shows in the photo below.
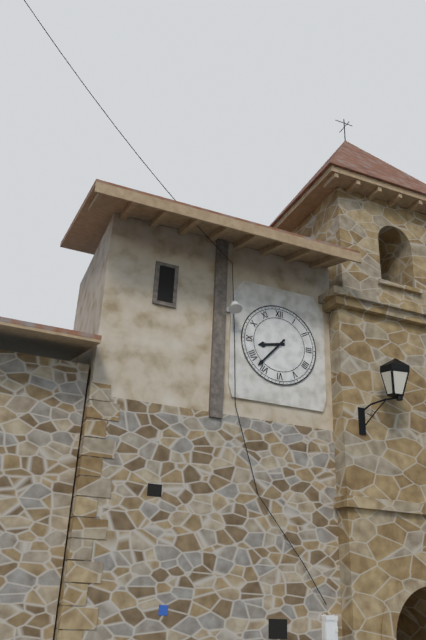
8:37
